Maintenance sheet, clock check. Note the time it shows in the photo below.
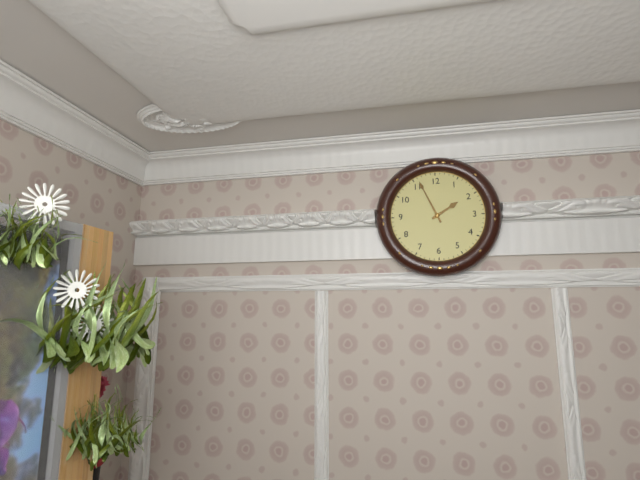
1:56
